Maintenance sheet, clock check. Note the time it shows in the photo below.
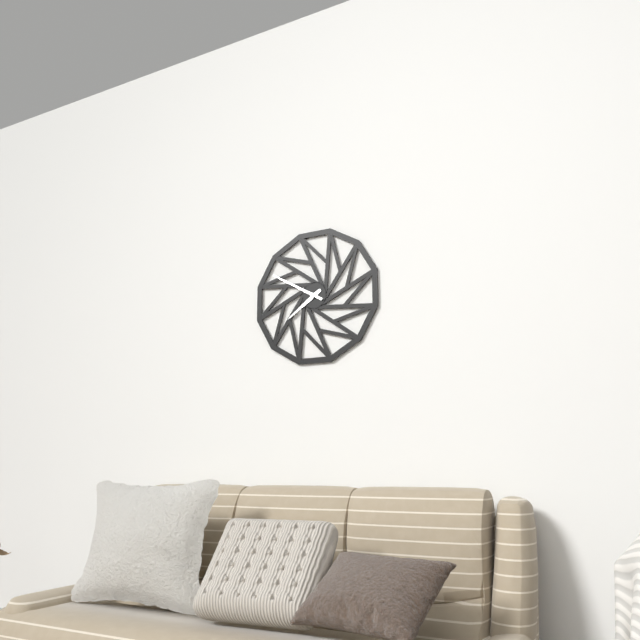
7:50
